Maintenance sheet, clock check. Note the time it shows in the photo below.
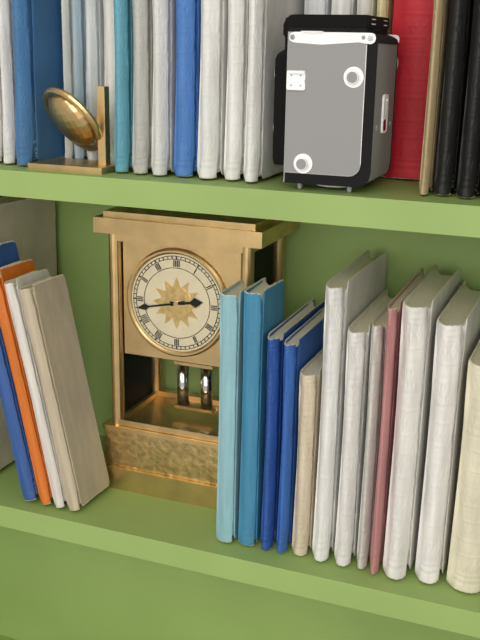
2:43
